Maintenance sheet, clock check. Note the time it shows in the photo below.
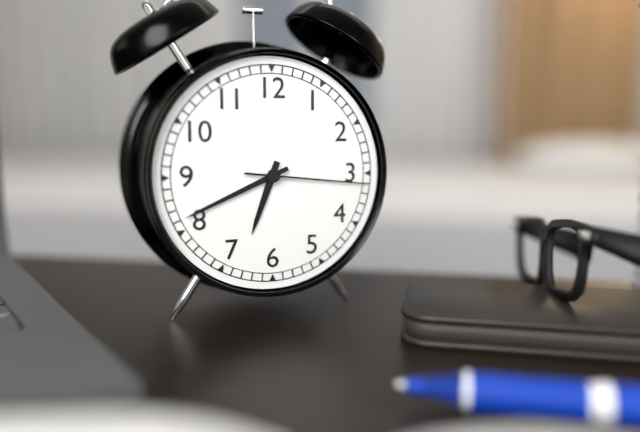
6:41:16
